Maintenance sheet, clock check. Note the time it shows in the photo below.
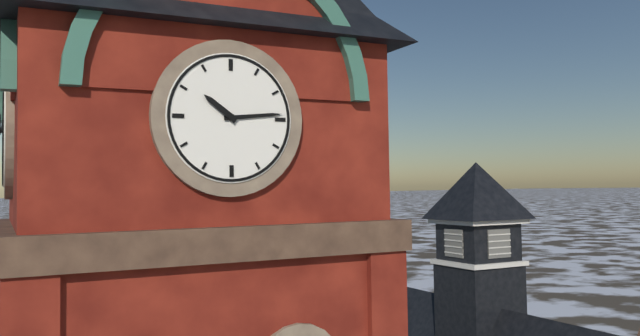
10:14
